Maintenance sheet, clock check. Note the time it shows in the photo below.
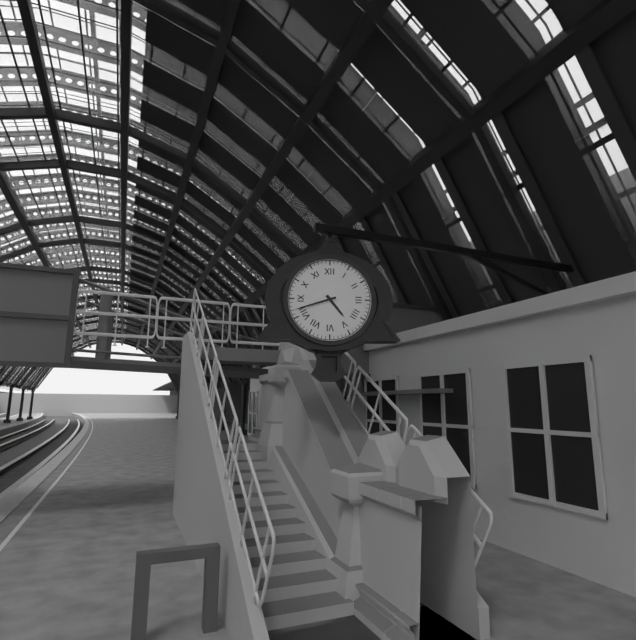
4:42
